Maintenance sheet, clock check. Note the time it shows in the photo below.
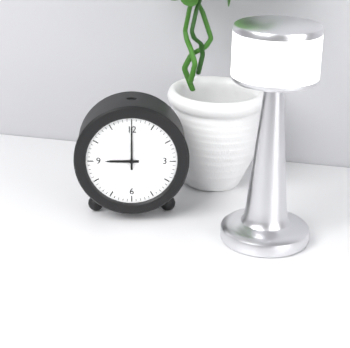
9:00
